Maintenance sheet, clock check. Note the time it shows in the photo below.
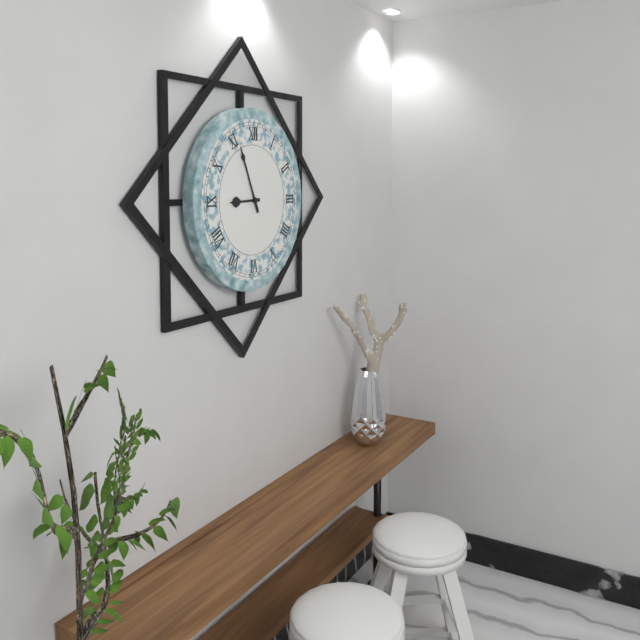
8:56
